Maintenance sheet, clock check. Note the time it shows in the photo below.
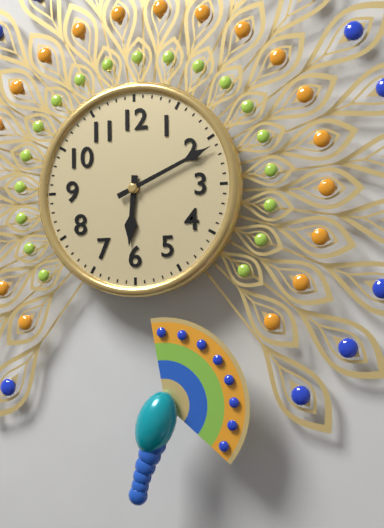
6:11
